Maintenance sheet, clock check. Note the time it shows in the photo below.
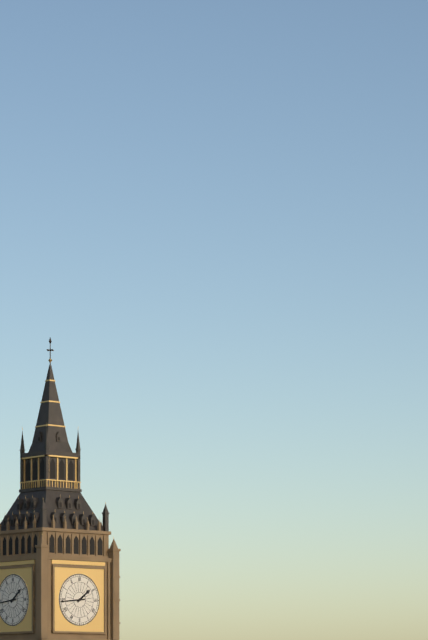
1:44
